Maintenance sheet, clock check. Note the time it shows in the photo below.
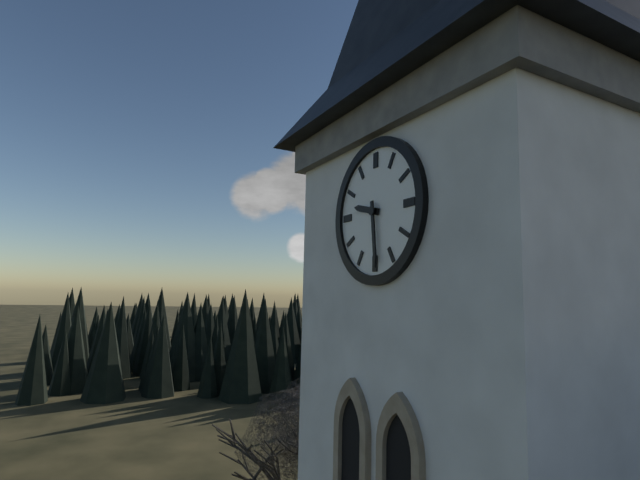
9:29
